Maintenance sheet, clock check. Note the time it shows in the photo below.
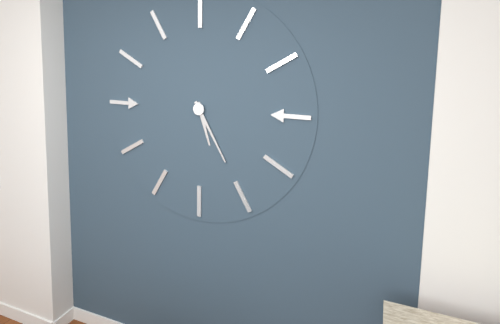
5:25
